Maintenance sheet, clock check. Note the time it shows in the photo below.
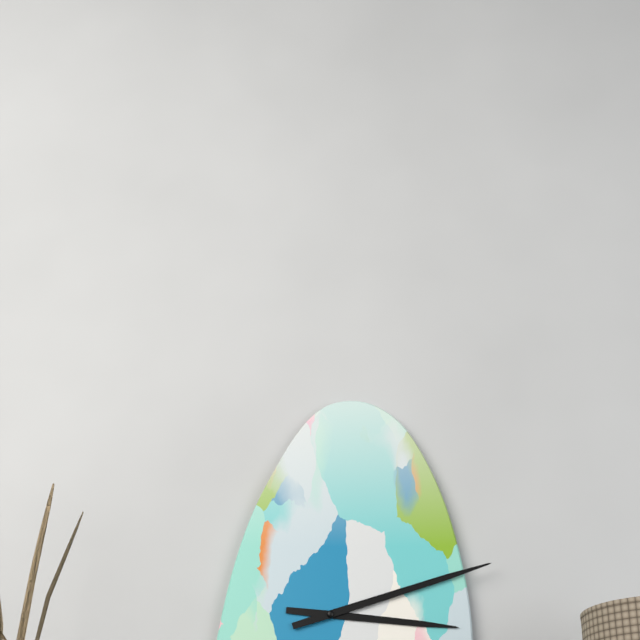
3:12
